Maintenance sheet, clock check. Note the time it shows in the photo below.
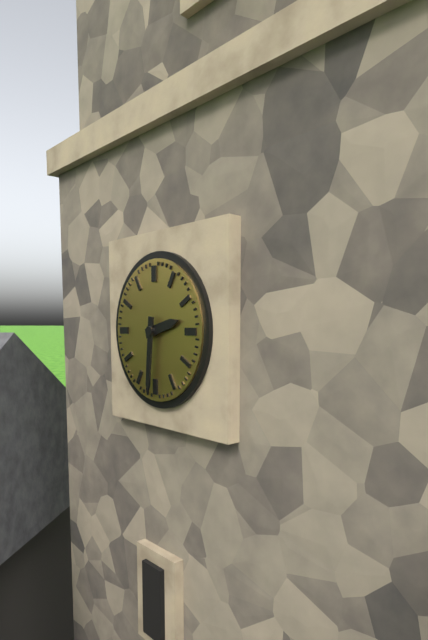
2:31
